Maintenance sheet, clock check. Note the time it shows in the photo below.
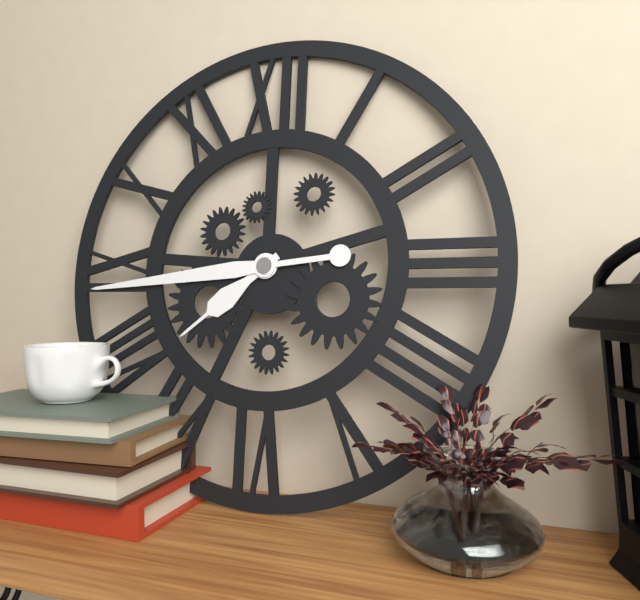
7:44
